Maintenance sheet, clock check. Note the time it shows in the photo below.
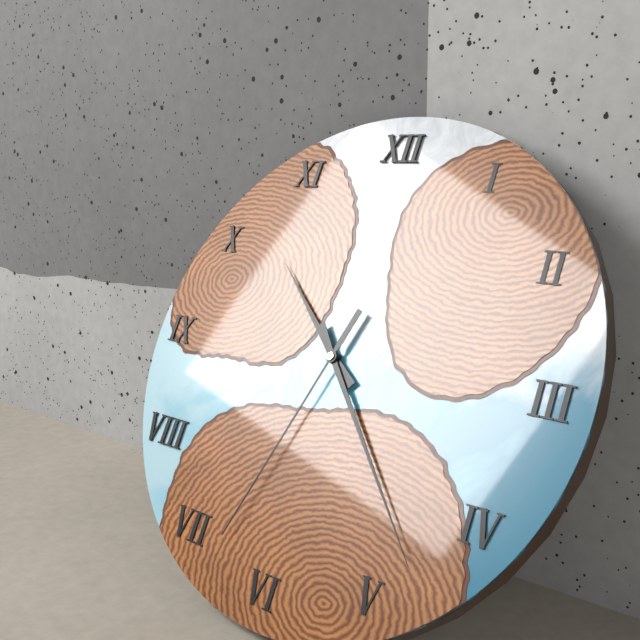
10:23:33
